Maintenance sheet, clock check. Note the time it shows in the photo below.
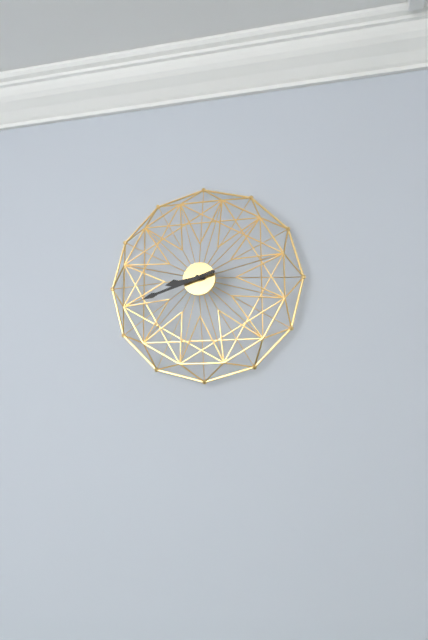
8:42
